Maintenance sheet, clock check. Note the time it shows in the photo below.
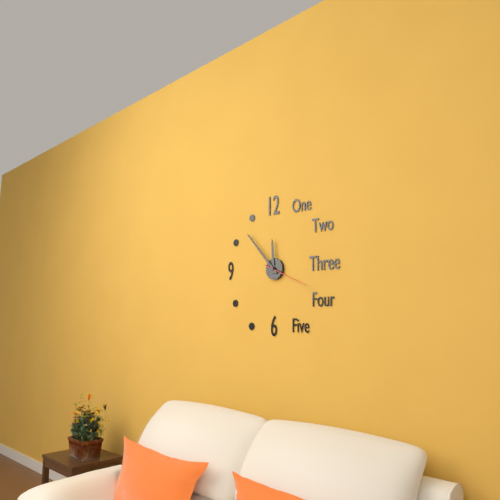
11:53
